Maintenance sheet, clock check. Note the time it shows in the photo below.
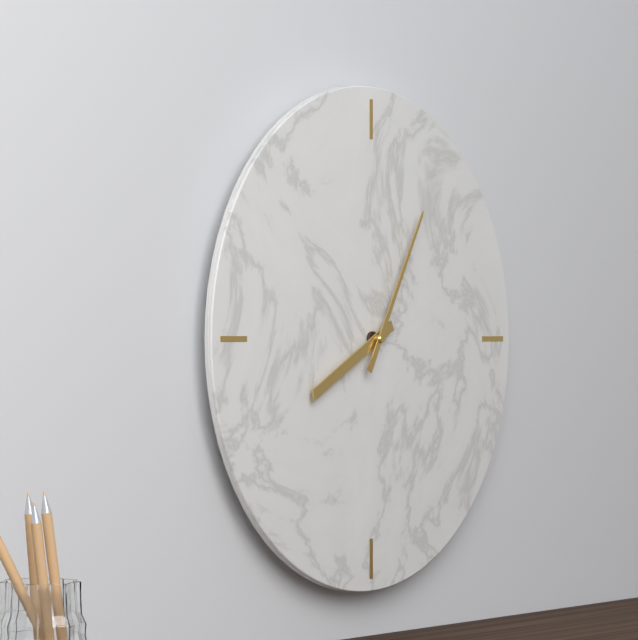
8:05
